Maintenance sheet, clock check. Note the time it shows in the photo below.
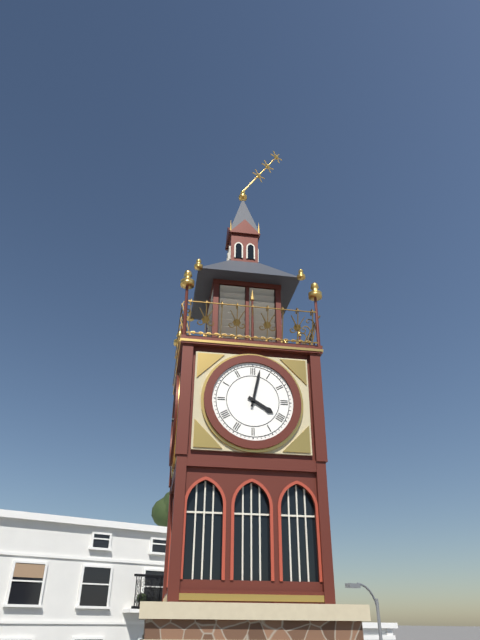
4:02
